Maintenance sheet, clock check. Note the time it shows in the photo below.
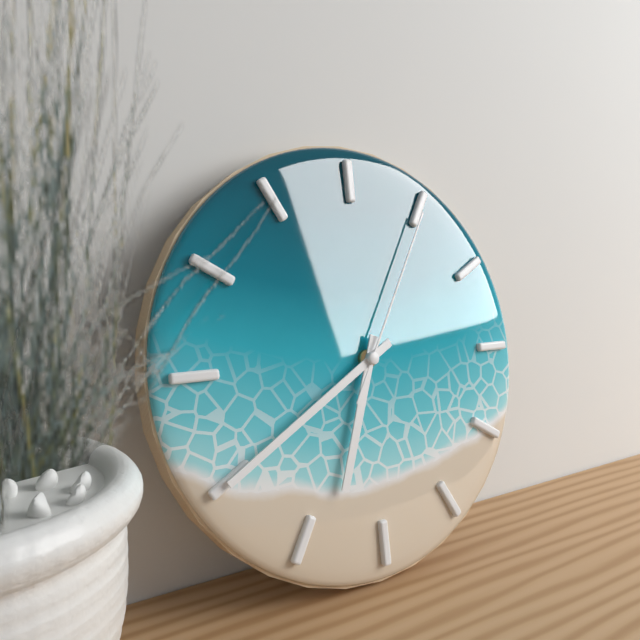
6:40:05
